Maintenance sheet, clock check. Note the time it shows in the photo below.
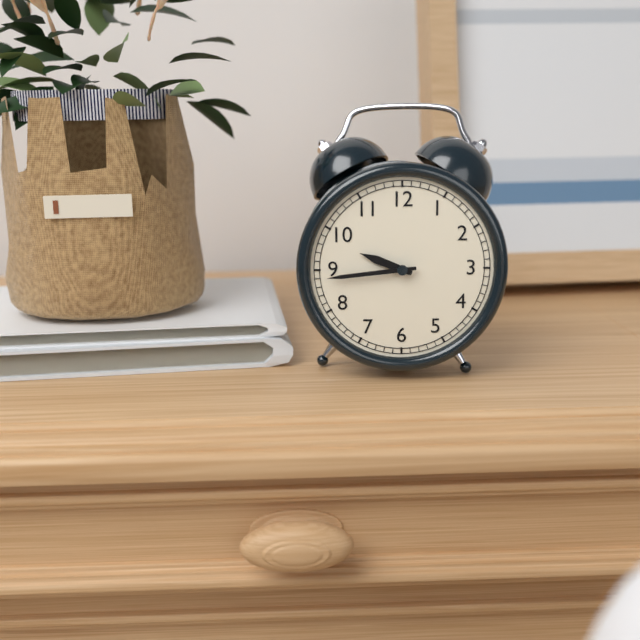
9:44
